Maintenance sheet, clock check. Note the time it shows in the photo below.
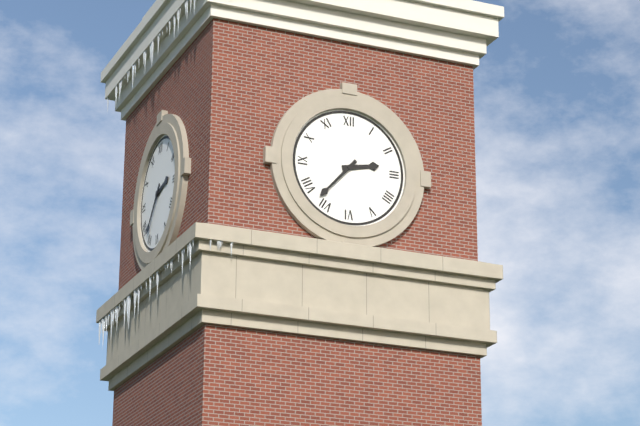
2:37
